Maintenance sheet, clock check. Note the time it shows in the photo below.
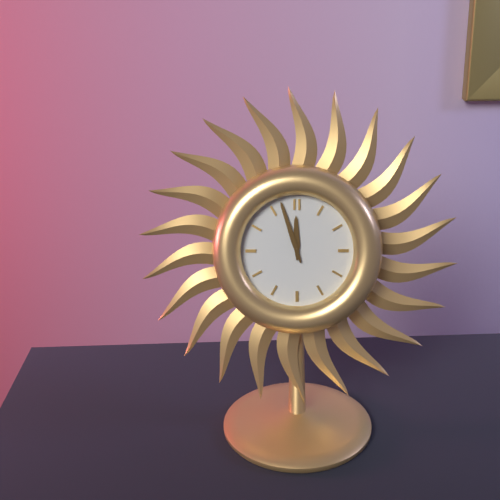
11:57
